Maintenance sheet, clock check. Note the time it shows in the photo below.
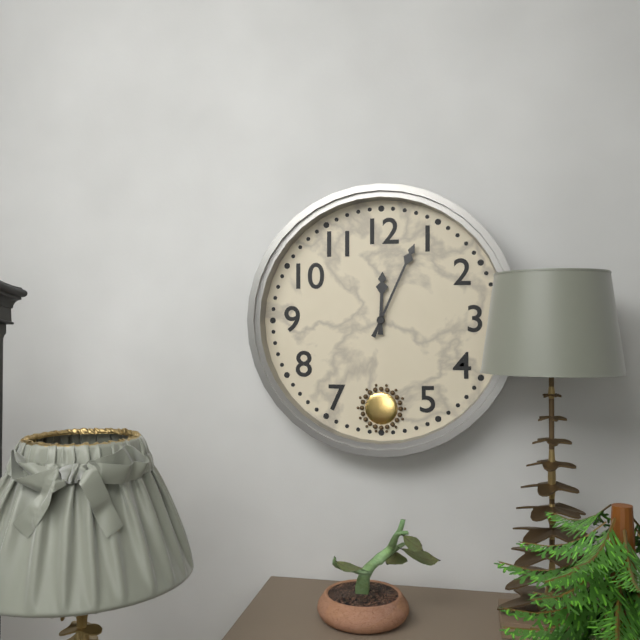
12:04
